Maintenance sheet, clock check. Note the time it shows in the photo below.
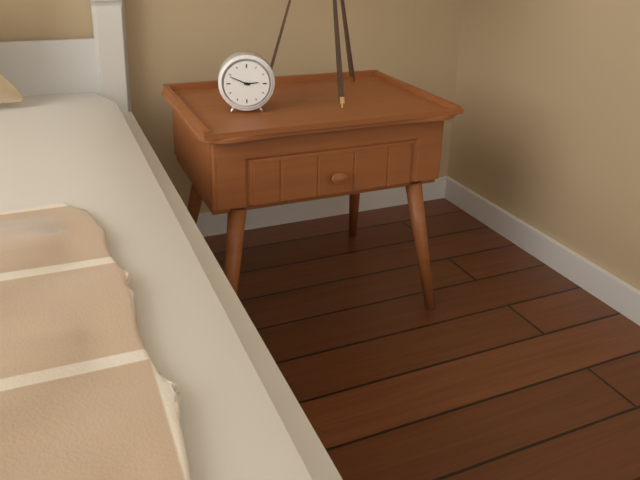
2:49
